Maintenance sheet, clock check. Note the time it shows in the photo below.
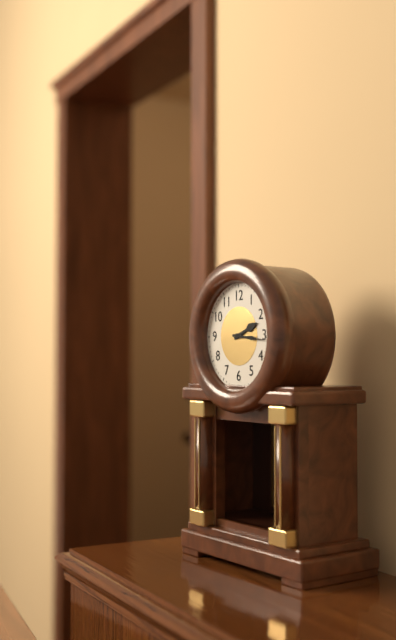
2:16
